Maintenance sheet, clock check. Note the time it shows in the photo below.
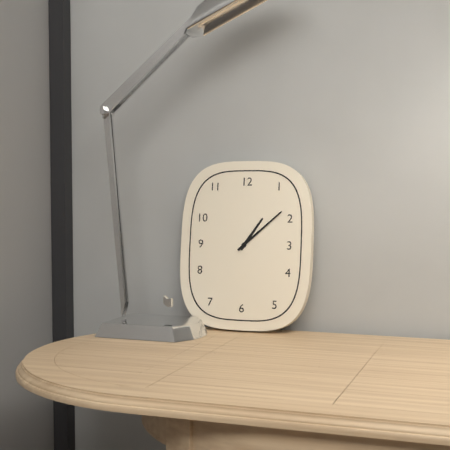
1:08
